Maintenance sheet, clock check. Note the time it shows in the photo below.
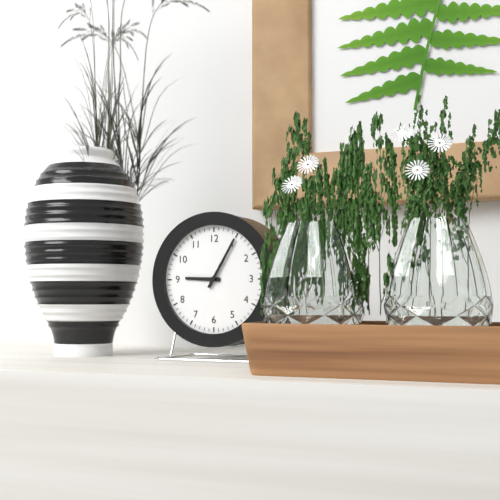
9:05
